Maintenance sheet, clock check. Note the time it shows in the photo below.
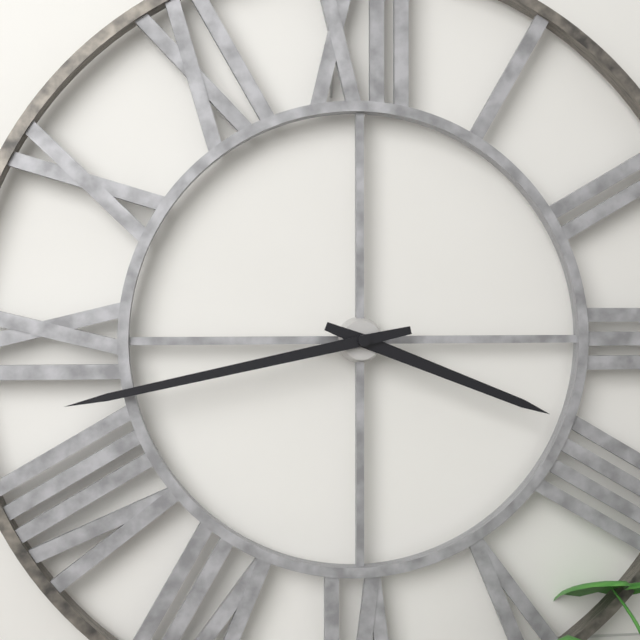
3:43
